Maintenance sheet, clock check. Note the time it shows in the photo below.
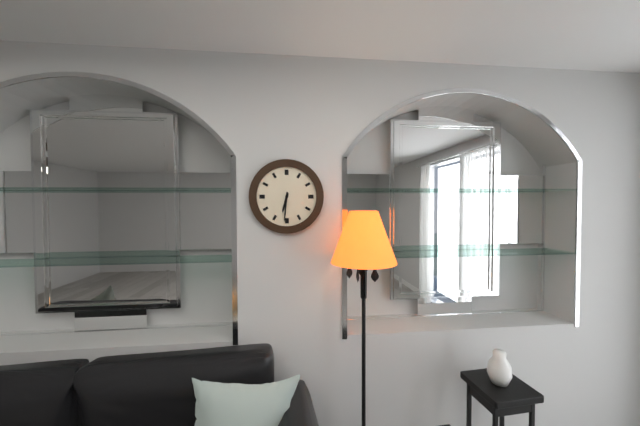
6:31
